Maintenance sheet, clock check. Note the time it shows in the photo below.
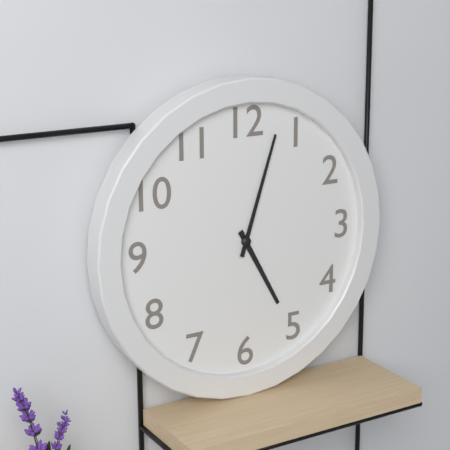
5:03
